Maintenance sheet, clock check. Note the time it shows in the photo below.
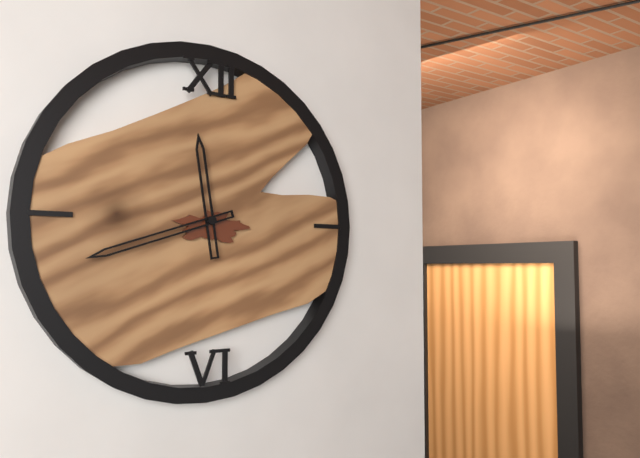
11:42
